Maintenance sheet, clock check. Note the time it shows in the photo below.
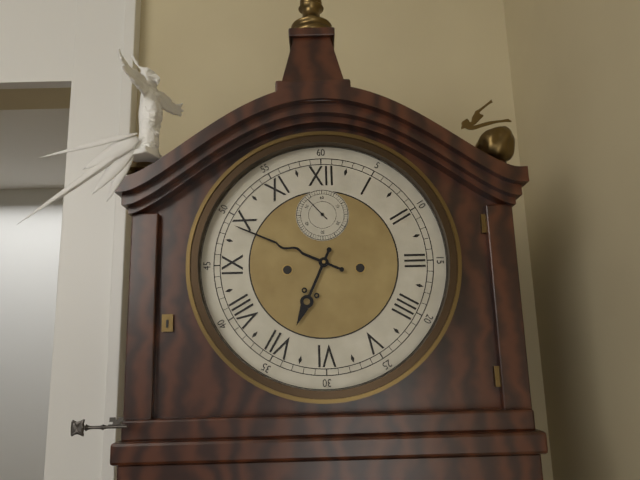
6:49
